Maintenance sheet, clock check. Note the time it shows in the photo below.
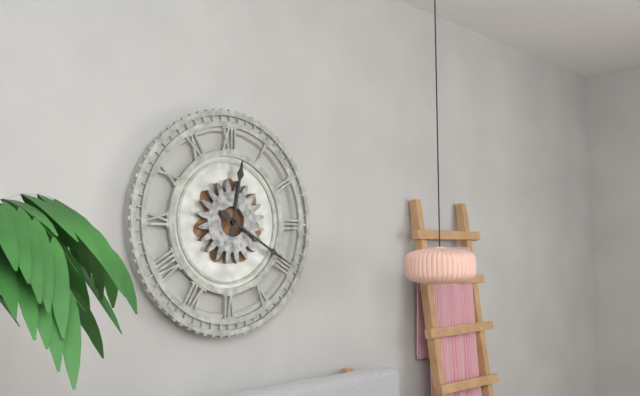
12:20
